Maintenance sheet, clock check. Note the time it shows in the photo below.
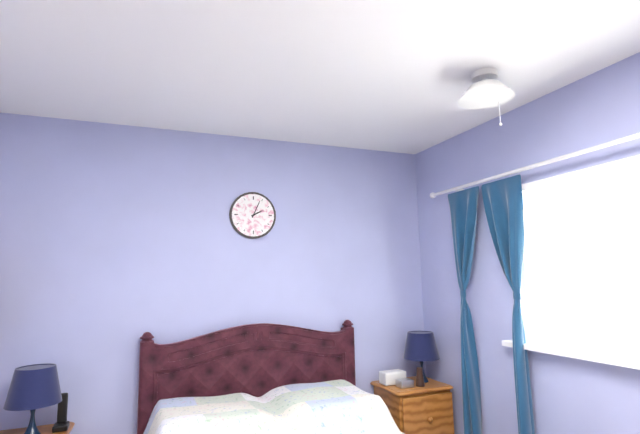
2:04
